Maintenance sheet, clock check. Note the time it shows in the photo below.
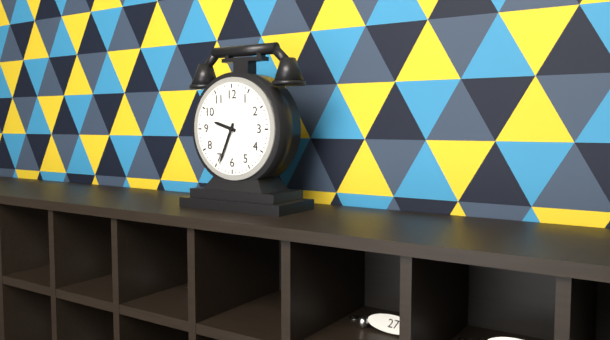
9:34
